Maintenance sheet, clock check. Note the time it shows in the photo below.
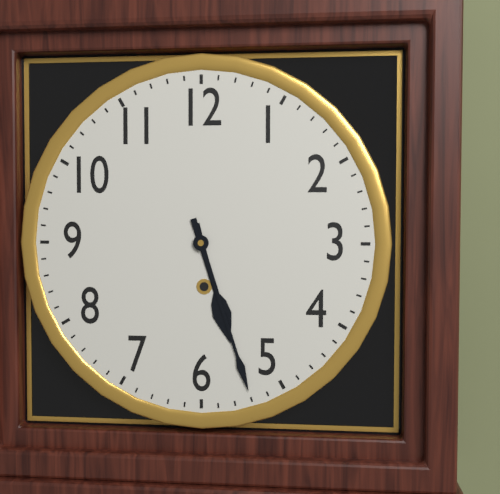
5:27
